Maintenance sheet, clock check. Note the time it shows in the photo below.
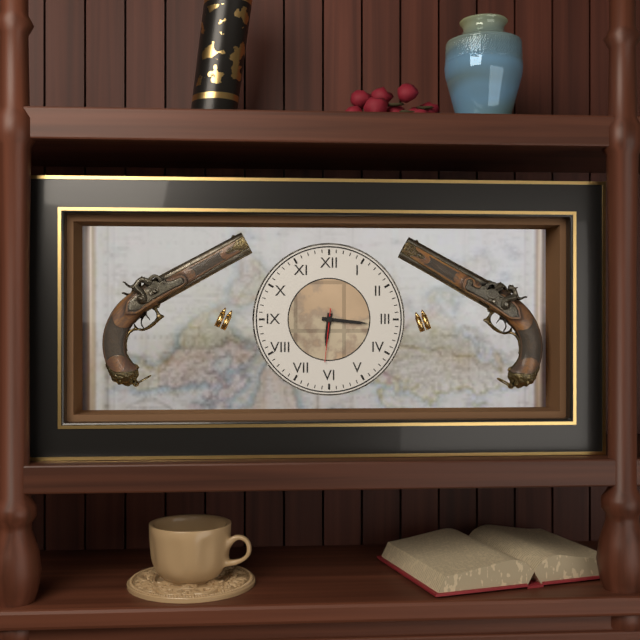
6:16:31
